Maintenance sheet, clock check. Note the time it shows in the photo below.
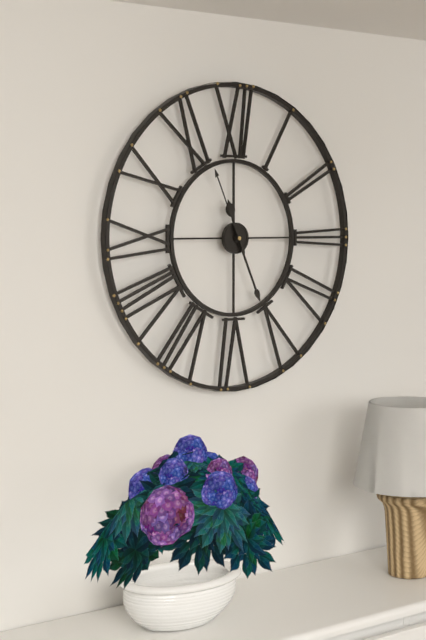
11:26:56
